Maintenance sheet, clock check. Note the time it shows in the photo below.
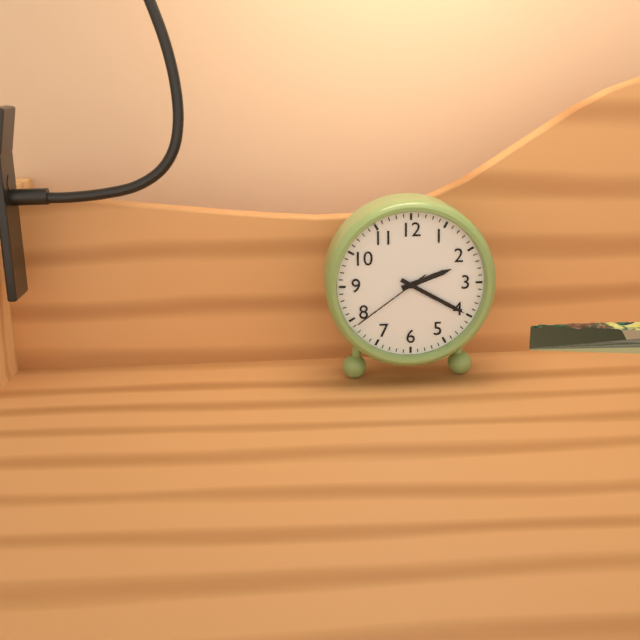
2:20:39
